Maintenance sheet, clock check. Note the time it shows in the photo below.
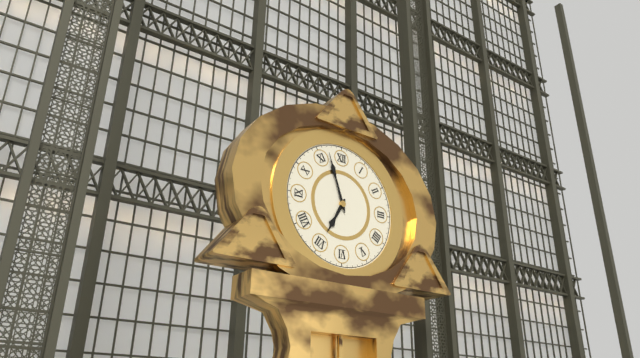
6:57
